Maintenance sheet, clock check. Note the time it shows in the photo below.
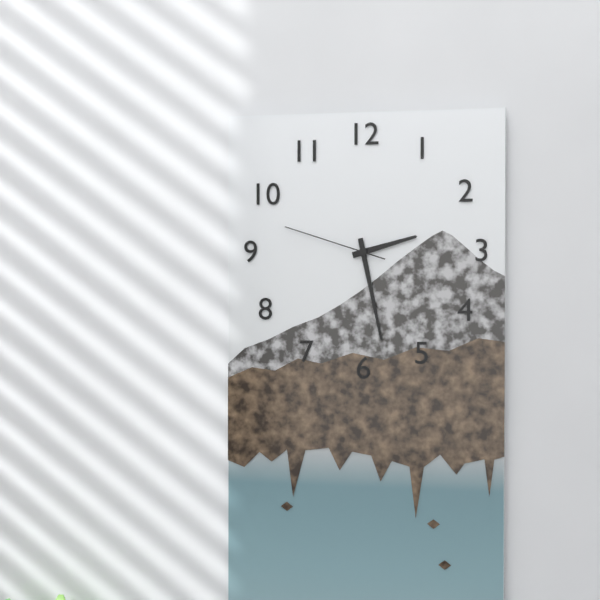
2:28:48
